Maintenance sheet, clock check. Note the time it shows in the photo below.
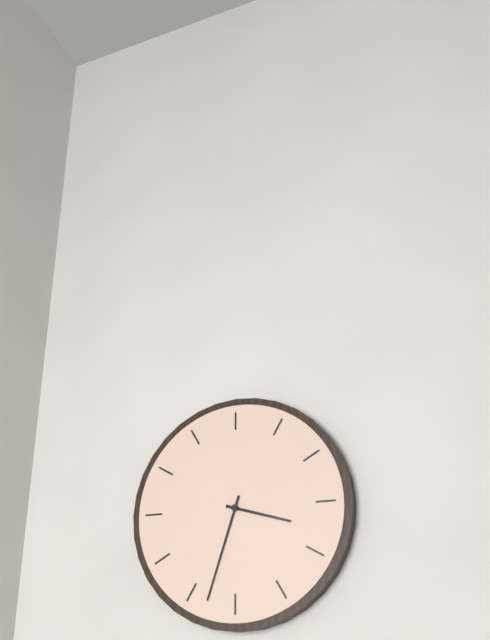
3:33
